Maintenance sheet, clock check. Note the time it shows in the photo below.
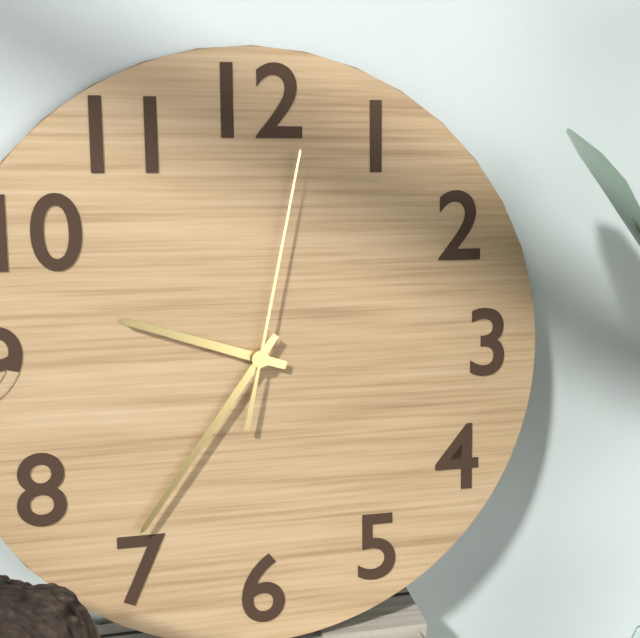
9:36:02
